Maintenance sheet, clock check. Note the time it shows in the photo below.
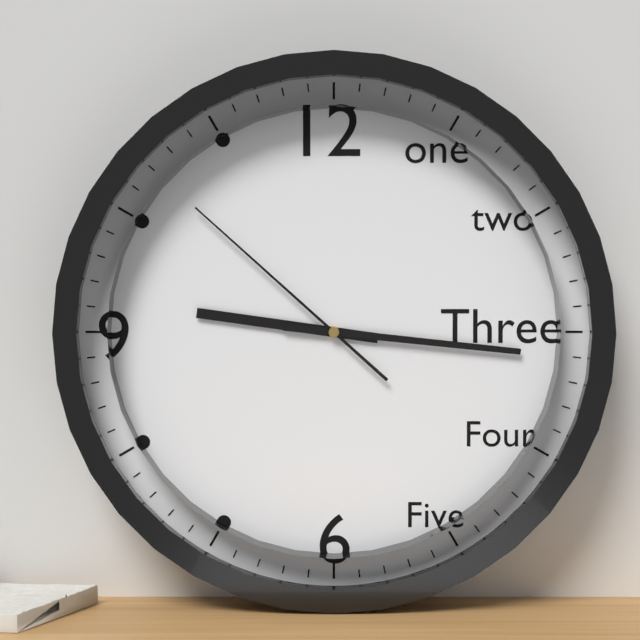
9:16:52
